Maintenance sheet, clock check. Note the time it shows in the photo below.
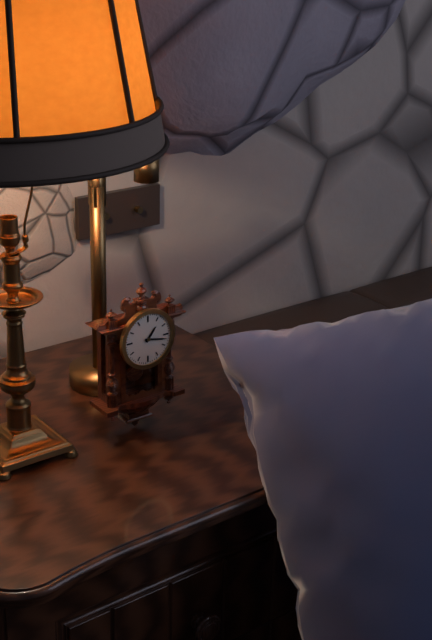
1:17
